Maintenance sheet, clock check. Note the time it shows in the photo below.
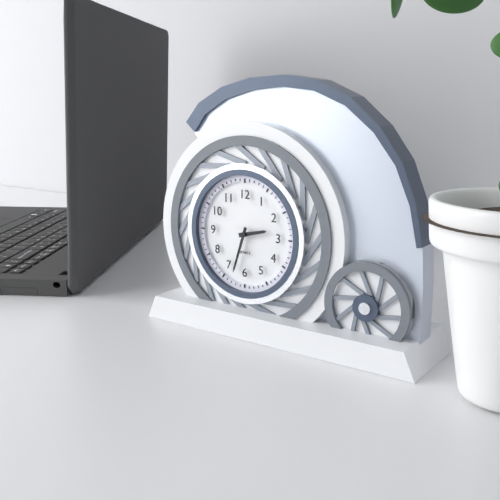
2:33
